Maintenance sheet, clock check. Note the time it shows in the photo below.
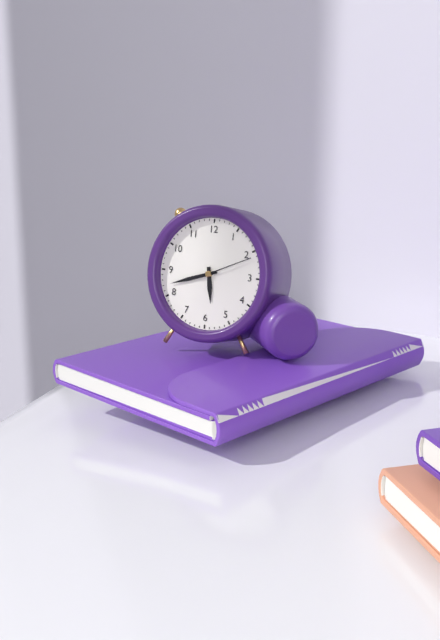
5:42:11
